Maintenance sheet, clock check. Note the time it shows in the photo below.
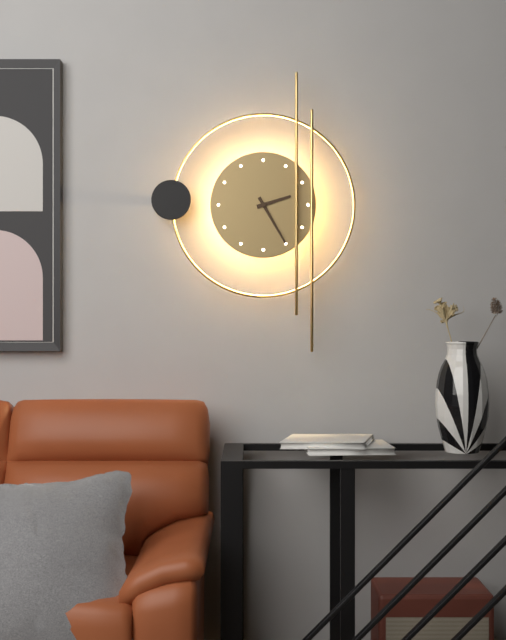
2:25
